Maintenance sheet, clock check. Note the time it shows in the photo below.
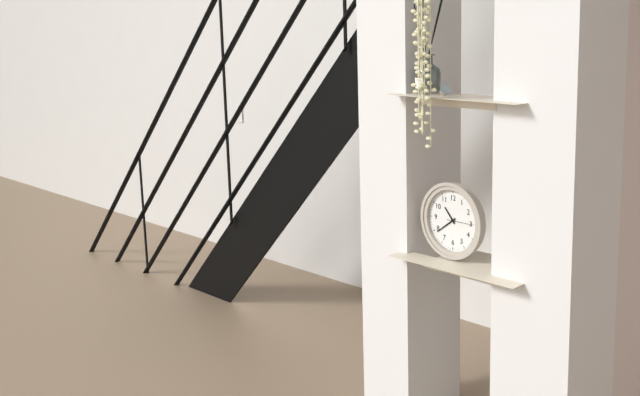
10:39
